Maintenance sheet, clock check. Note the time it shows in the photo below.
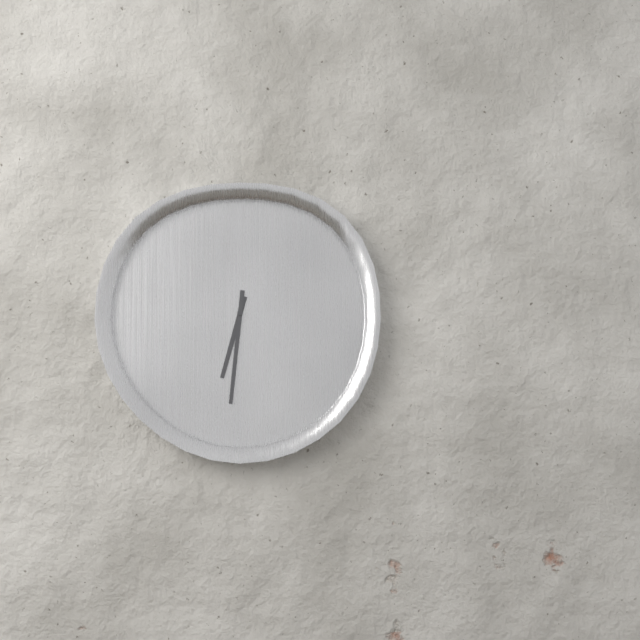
6:31
